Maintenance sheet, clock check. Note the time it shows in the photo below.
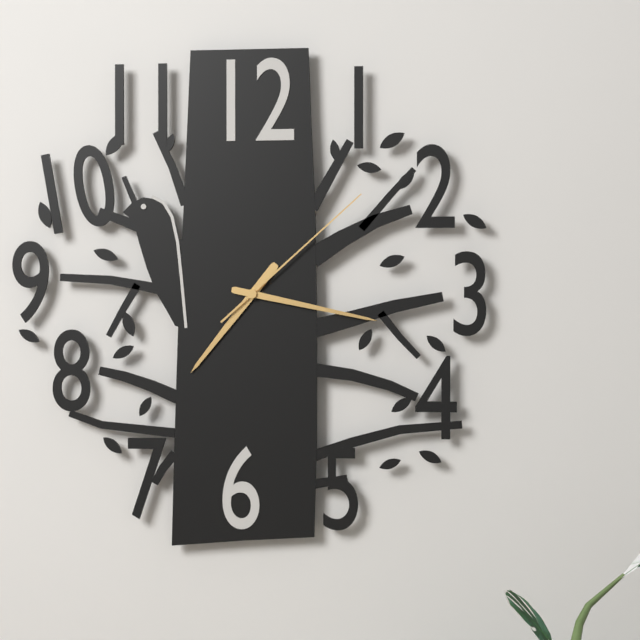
7:17:08
